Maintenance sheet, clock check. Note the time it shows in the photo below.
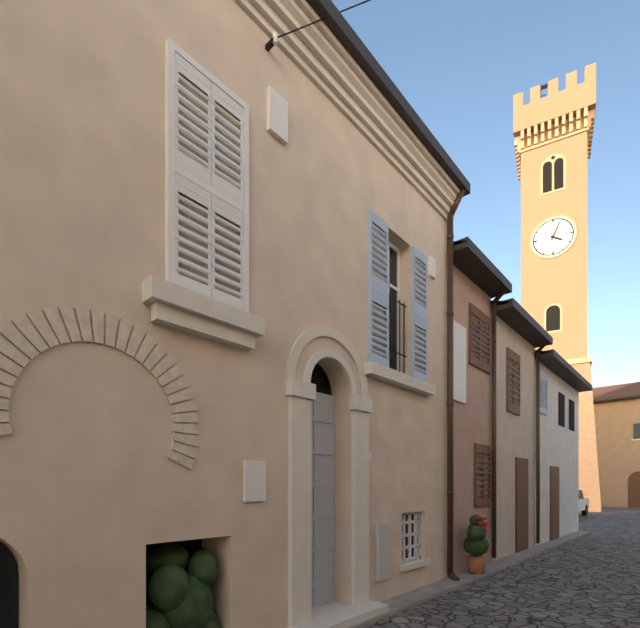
4:04
